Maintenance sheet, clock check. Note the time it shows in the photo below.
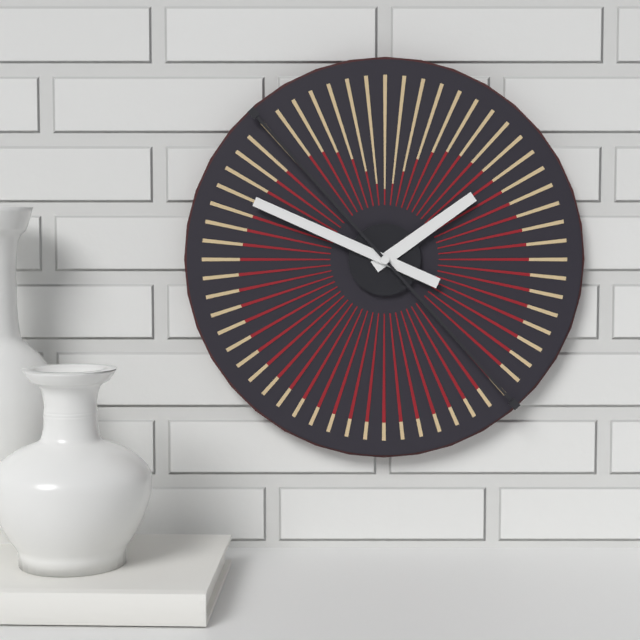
1:49
